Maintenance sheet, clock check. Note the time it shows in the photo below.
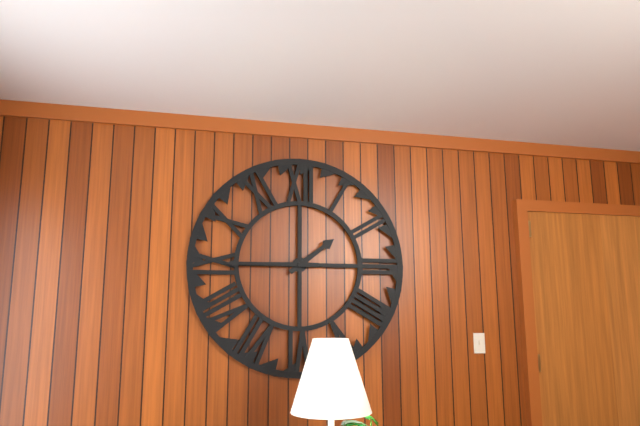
1:45
